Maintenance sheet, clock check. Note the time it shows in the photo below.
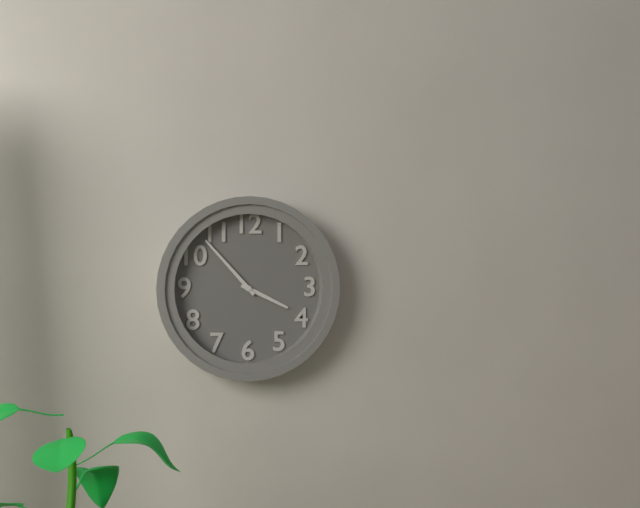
3:53
